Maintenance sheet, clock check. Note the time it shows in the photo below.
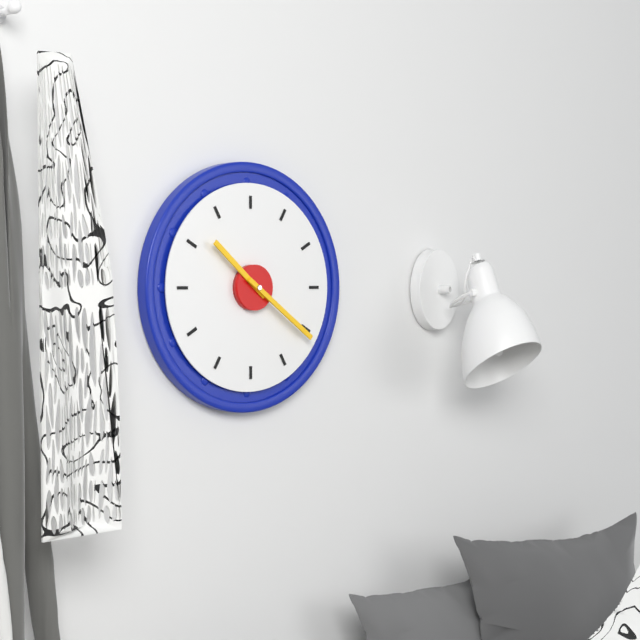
10:21
